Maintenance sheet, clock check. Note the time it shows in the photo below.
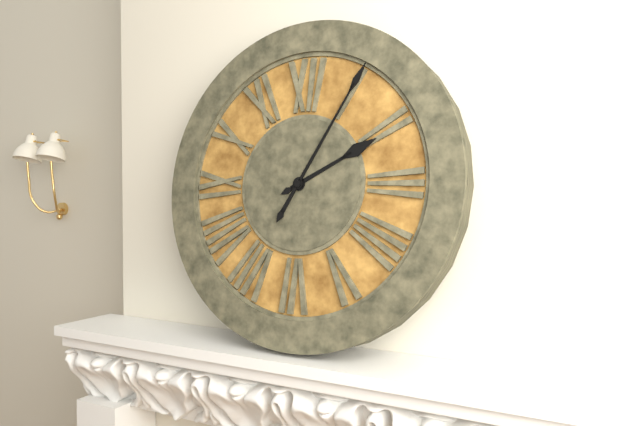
2:05
